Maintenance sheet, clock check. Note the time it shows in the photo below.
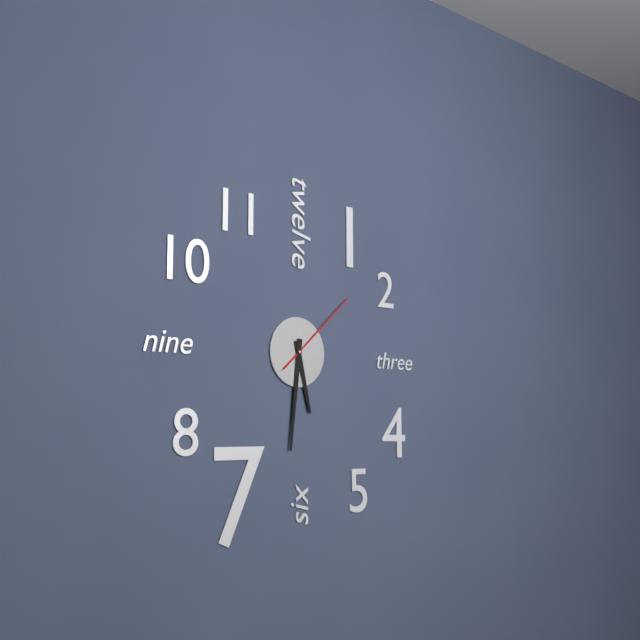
5:31:08
